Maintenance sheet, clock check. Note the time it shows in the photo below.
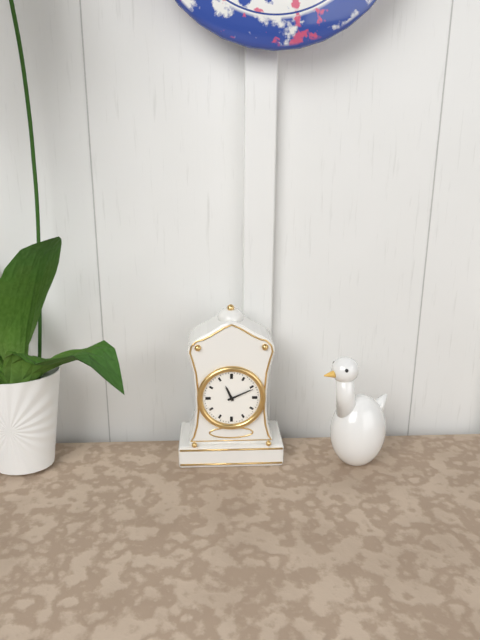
11:11
